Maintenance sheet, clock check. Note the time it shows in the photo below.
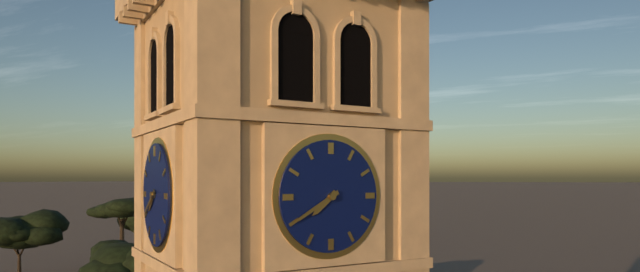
7:40
